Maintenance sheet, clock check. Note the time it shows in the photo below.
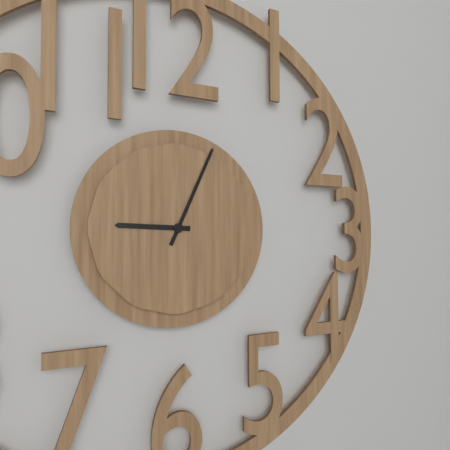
9:04
